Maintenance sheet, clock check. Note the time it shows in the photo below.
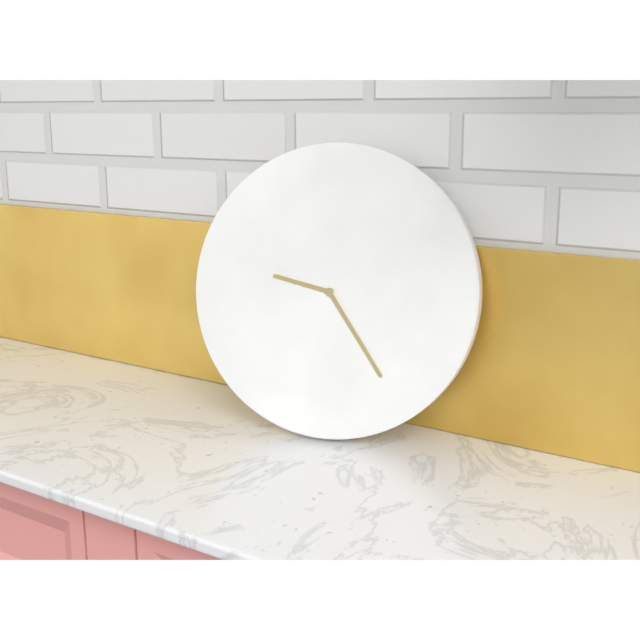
9:24
